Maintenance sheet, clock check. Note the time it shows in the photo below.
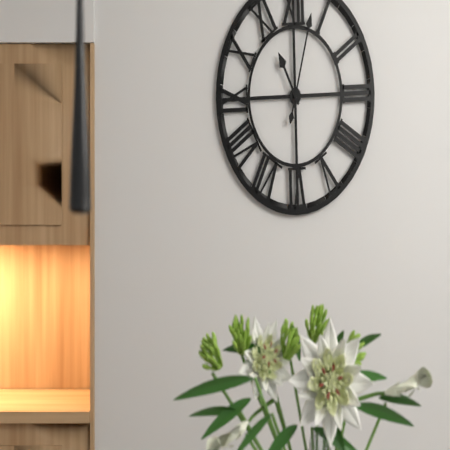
11:03
